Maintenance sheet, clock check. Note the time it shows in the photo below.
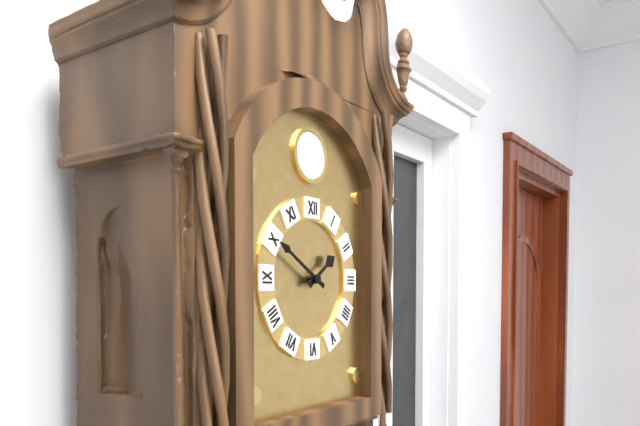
1:50
